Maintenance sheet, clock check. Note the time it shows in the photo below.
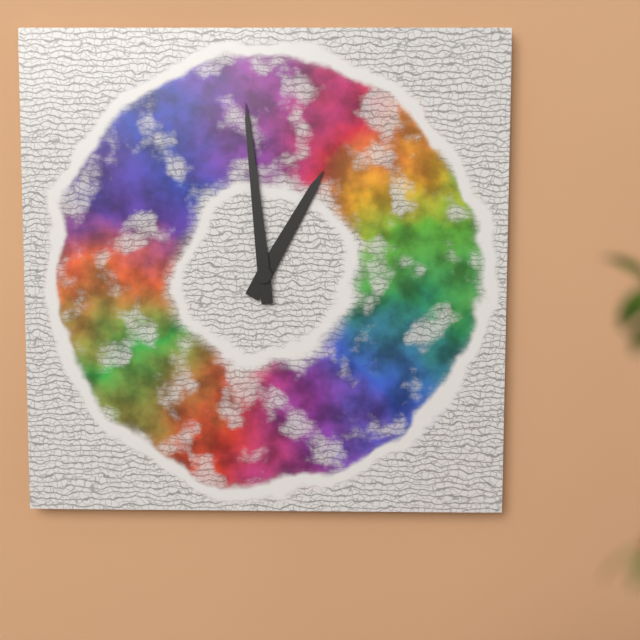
12:59
